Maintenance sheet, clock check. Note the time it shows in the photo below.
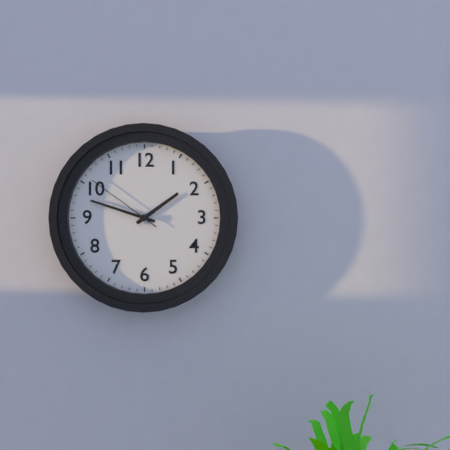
1:48:51
